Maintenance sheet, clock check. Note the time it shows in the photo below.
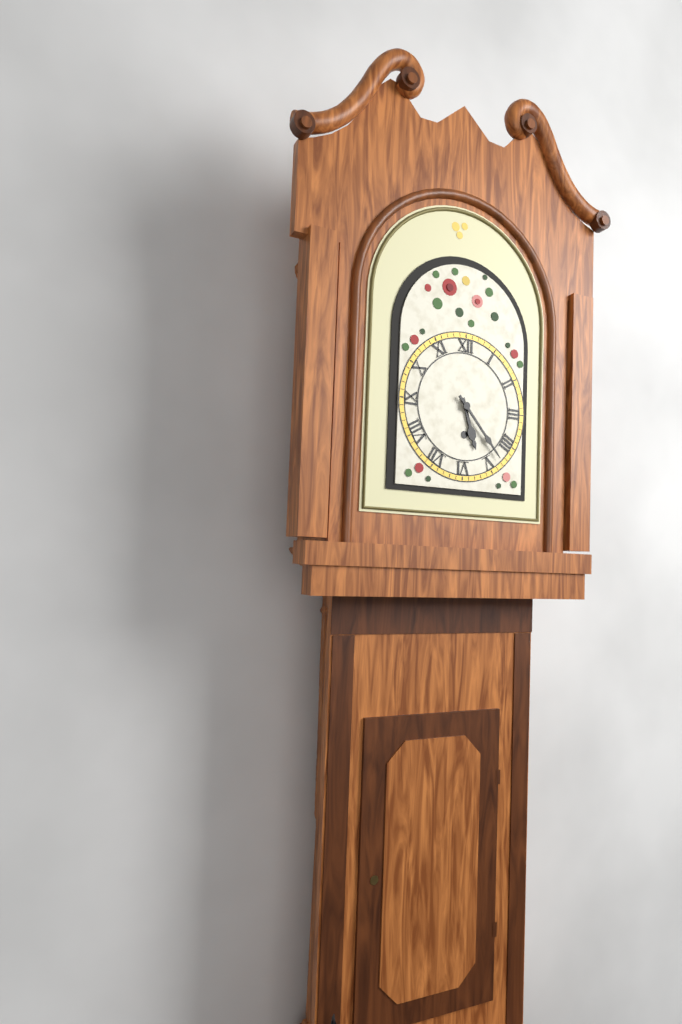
5:23
